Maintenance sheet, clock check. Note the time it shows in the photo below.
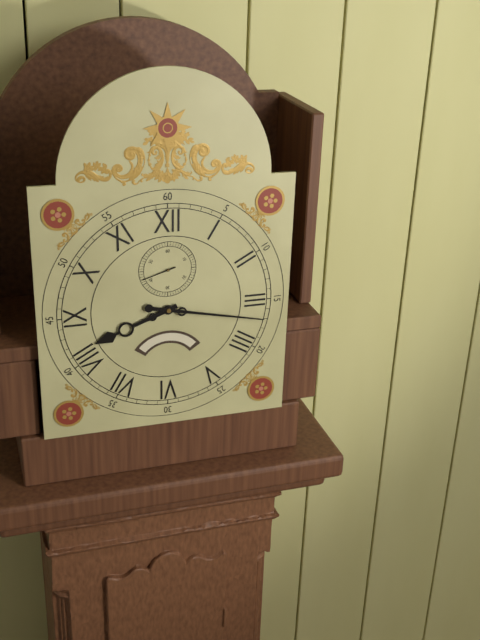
8:17
